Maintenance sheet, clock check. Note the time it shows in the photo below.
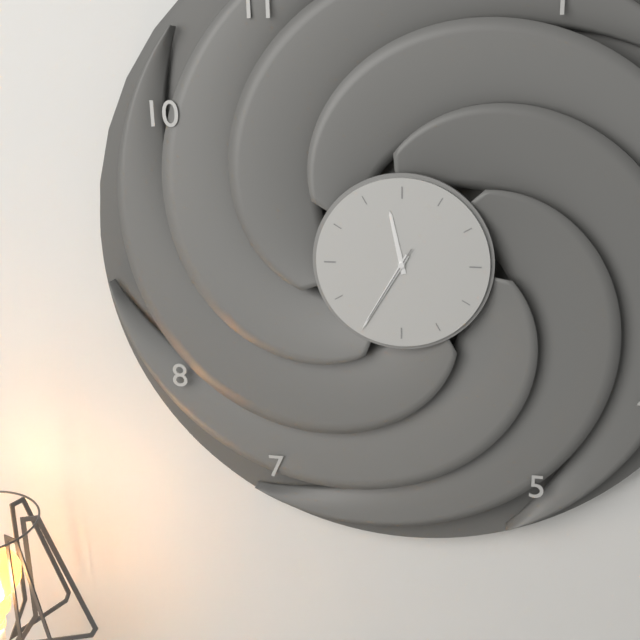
11:35:35
